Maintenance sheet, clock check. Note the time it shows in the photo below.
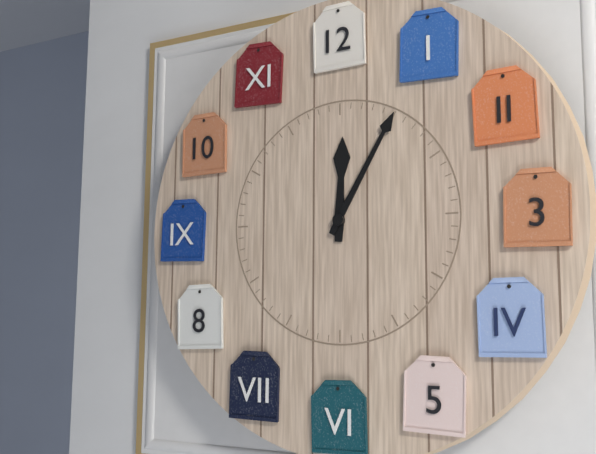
12:05
